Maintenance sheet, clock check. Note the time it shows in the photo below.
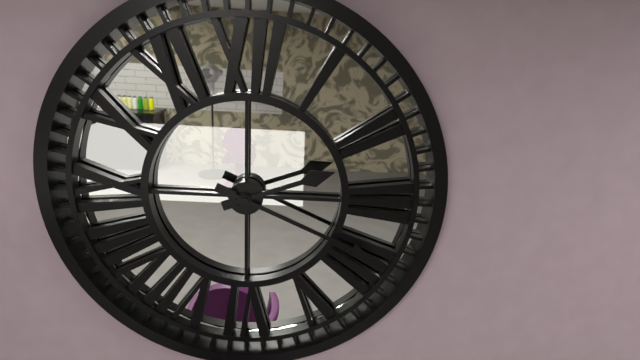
2:19
